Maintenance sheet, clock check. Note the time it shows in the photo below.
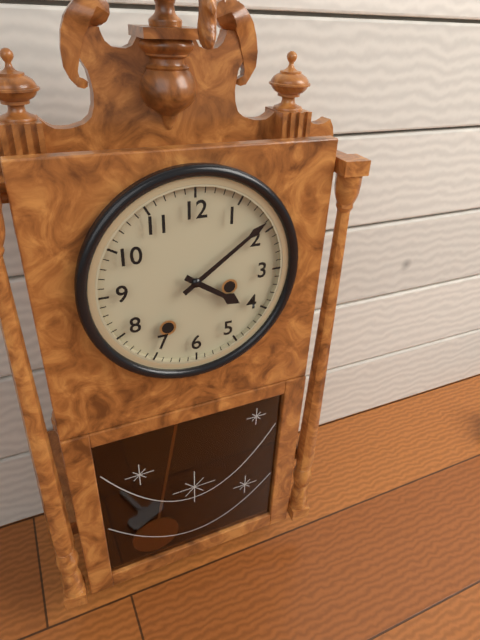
4:09
